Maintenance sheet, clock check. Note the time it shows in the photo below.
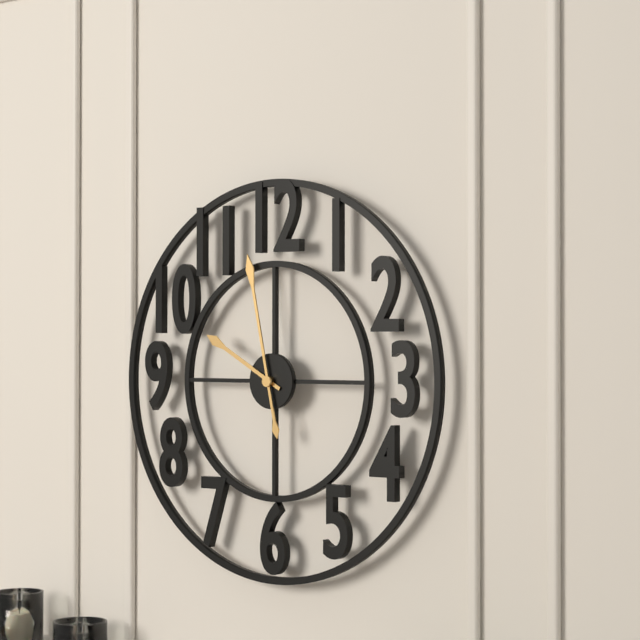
9:58
